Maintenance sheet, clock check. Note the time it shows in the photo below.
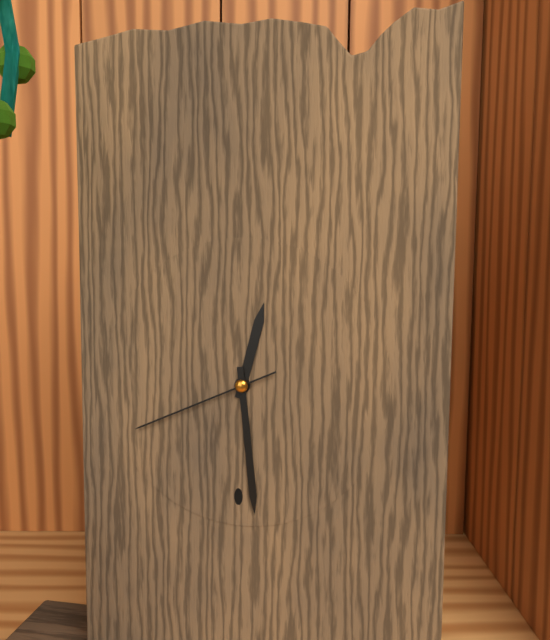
12:29:41
